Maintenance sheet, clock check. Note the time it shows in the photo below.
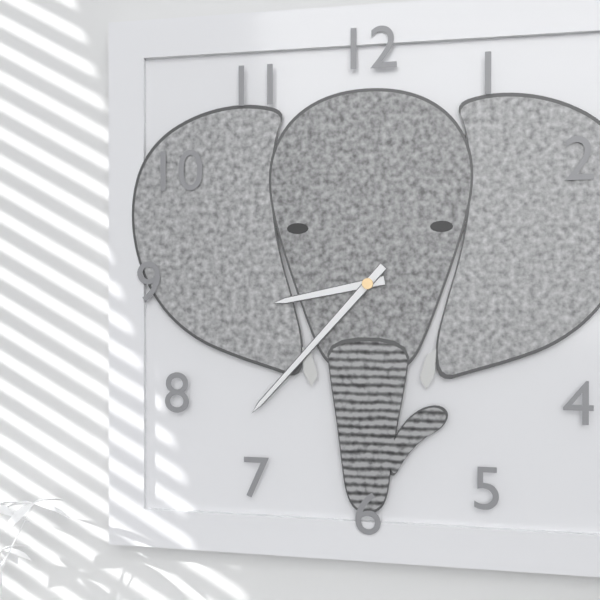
8:37
